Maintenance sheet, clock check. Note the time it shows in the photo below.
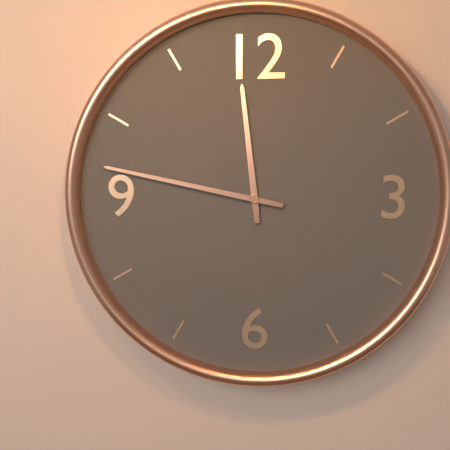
11:47
